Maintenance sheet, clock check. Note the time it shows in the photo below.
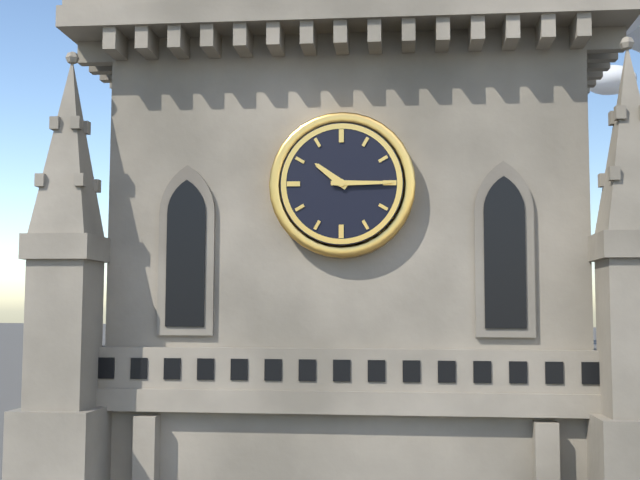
10:15
